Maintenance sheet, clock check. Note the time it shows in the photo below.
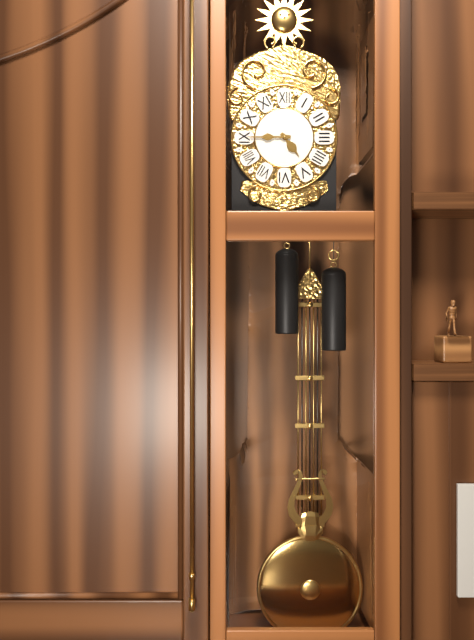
4:45
